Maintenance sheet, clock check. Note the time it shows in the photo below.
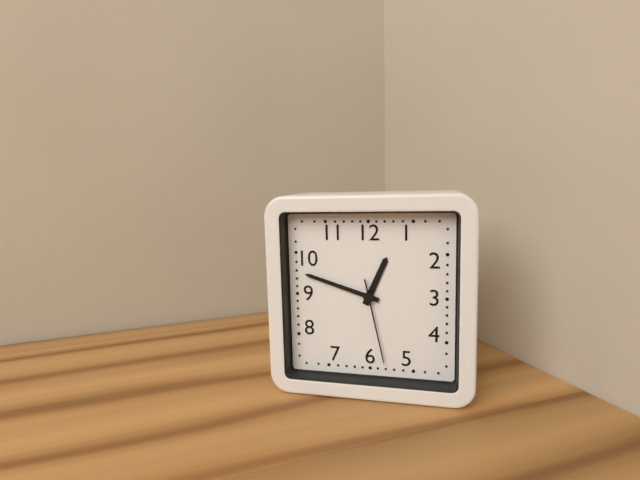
12:48:28
